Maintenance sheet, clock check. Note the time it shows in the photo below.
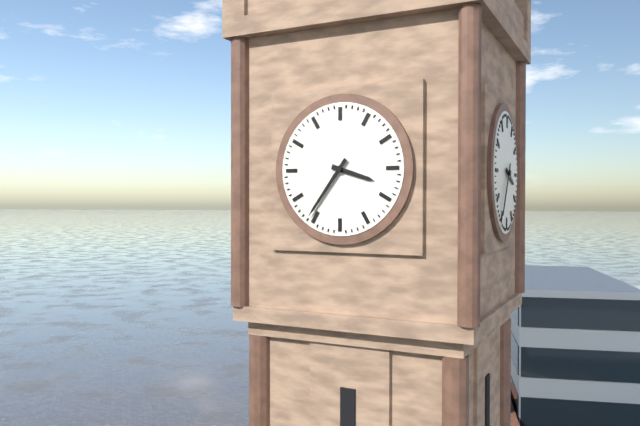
3:36
